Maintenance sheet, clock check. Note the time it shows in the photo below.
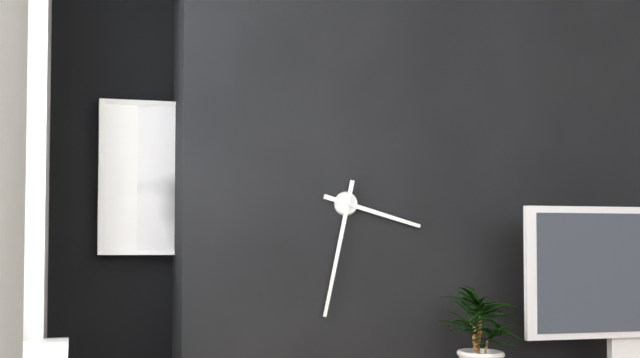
3:32
